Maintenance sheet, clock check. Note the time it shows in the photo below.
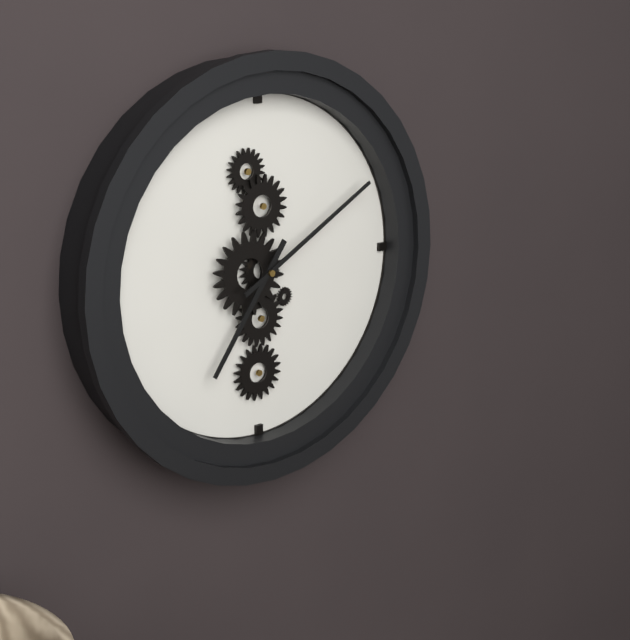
7:10
